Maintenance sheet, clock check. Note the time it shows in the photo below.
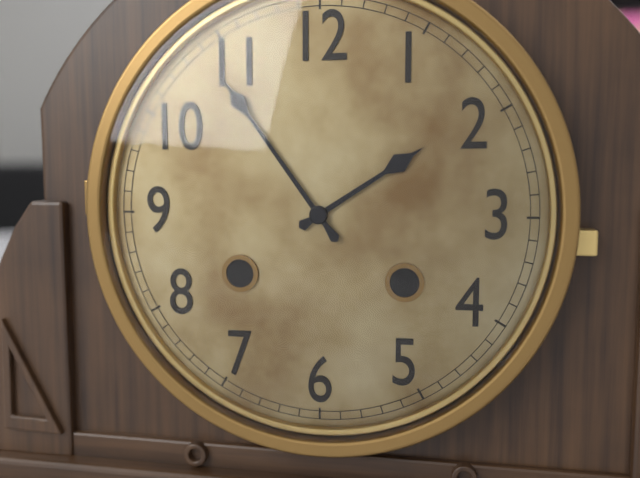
1:54
